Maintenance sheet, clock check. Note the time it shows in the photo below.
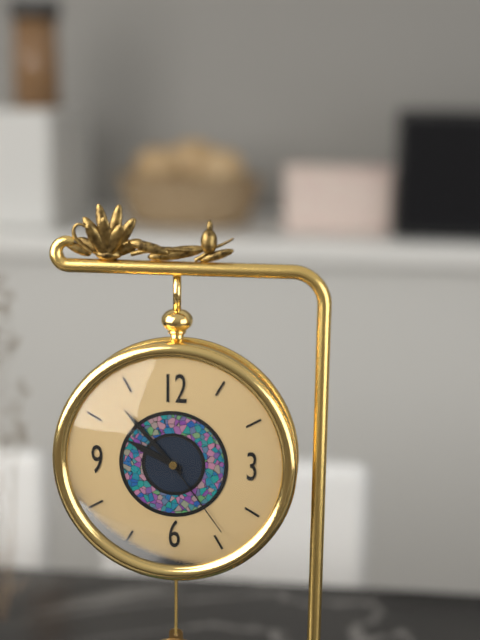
9:53:24
